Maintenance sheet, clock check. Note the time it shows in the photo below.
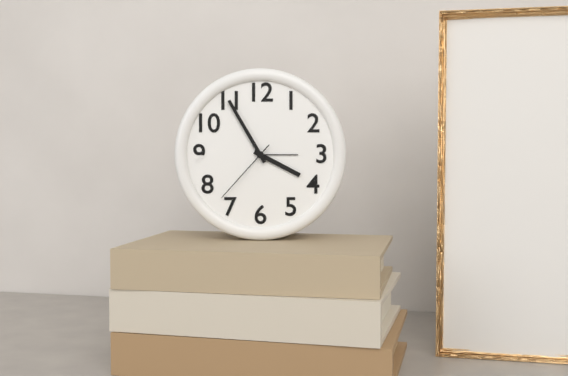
3:55:37
